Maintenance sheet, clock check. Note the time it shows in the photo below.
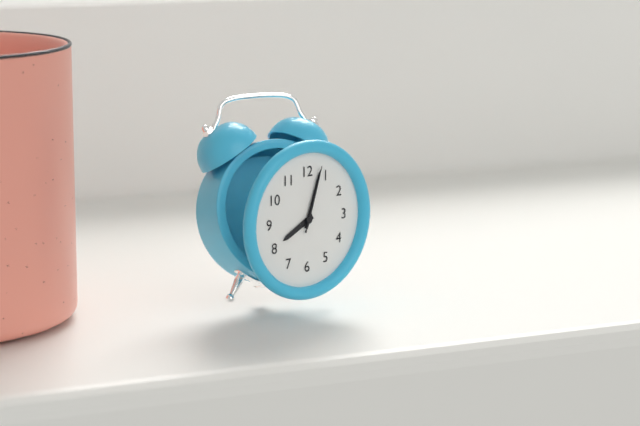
8:03:03
